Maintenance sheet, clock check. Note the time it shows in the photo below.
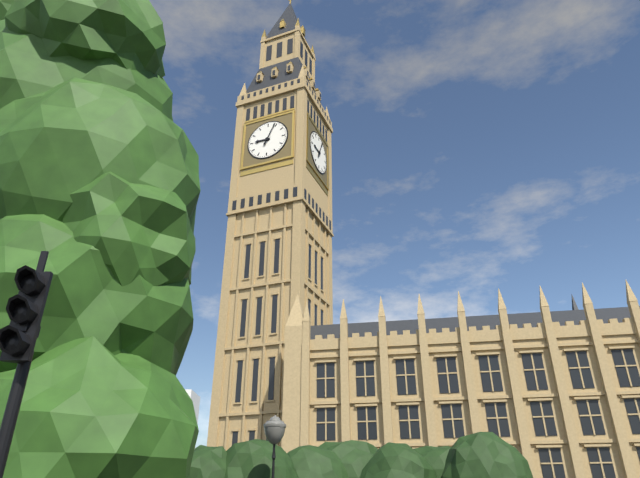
9:04
